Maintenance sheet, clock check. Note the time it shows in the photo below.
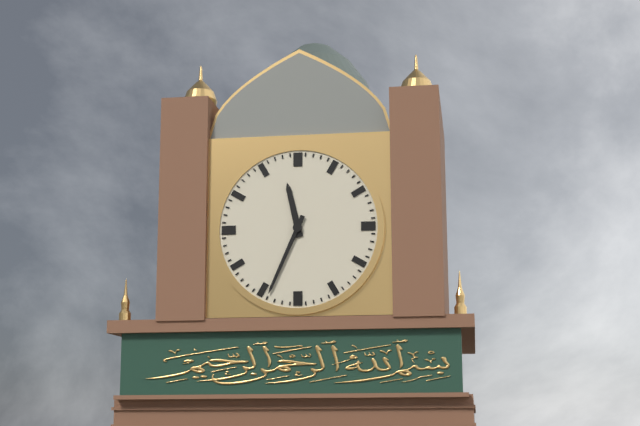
11:34
